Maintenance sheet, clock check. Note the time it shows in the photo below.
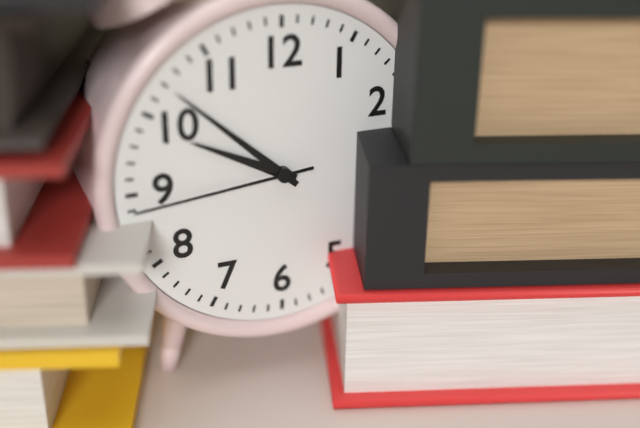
9:52:44
